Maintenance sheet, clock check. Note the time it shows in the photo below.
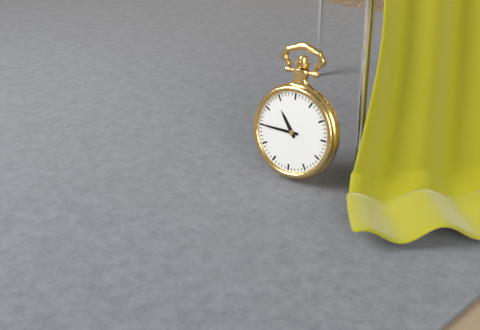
10:45
